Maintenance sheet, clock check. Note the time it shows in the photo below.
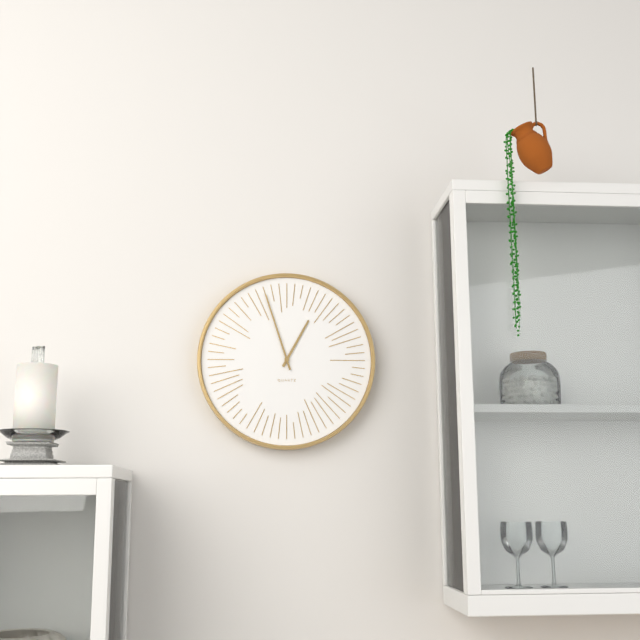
12:57
